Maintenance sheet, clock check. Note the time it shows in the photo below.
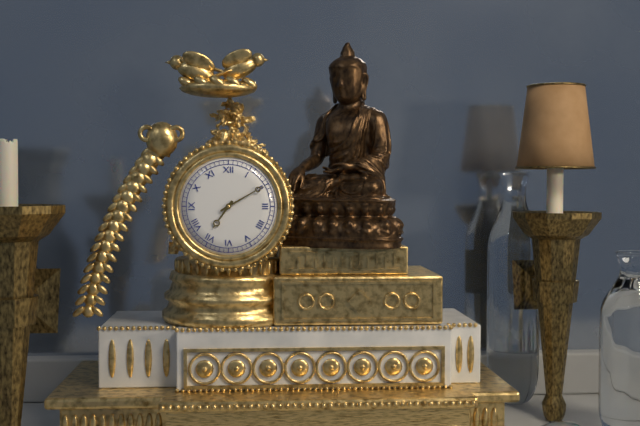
7:10
